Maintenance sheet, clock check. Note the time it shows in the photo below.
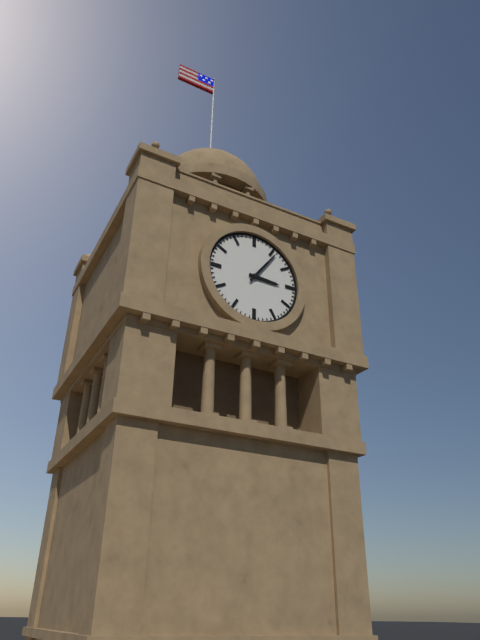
3:06
